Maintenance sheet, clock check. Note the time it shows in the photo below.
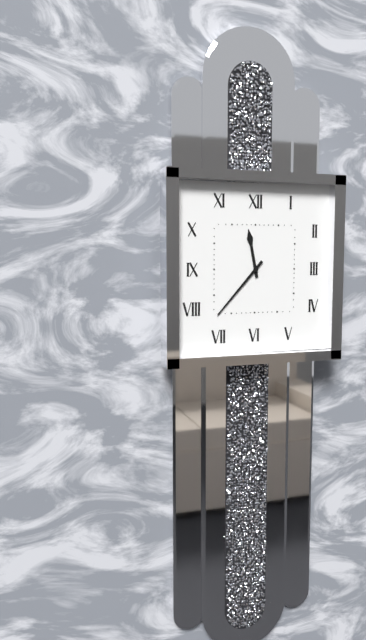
11:37
